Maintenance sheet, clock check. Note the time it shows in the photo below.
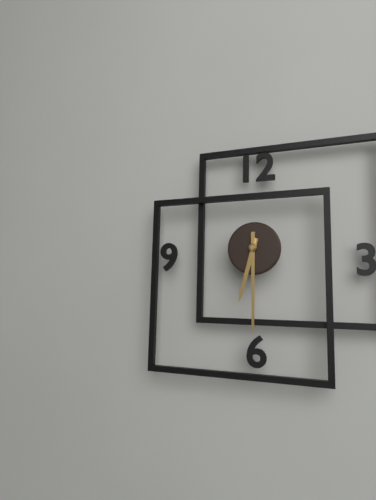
6:30
